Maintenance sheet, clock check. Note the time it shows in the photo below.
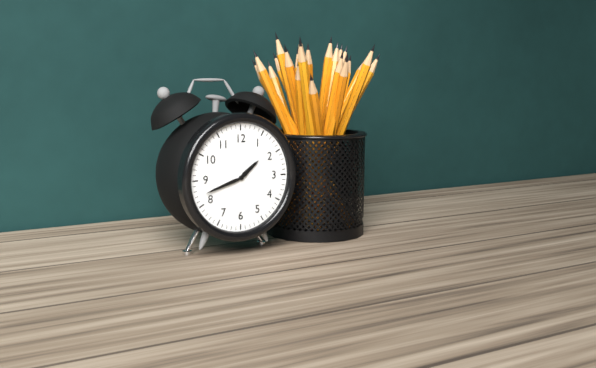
1:42
